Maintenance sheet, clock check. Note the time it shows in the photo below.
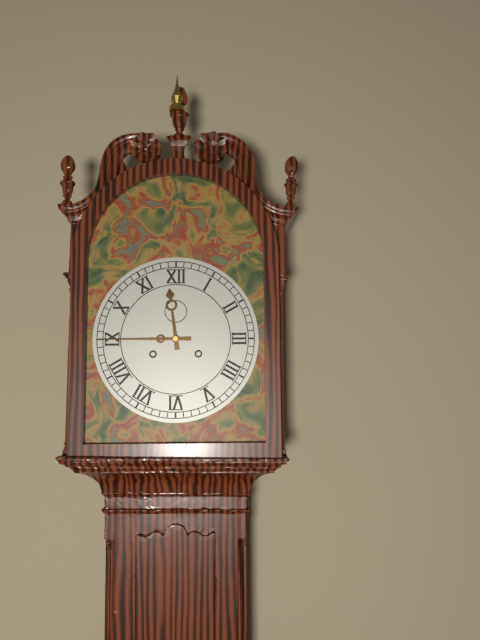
11:45
